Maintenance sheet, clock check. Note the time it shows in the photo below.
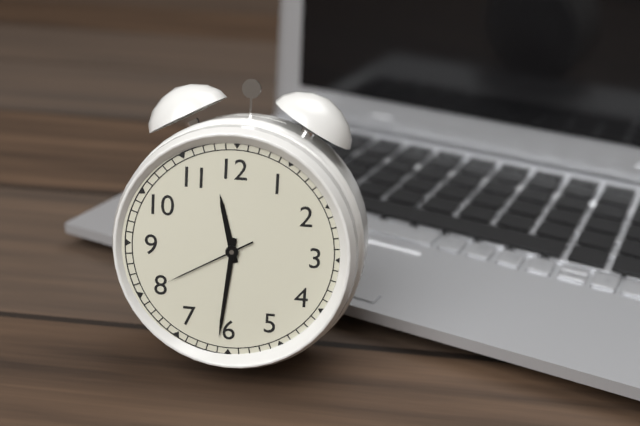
11:31:40
